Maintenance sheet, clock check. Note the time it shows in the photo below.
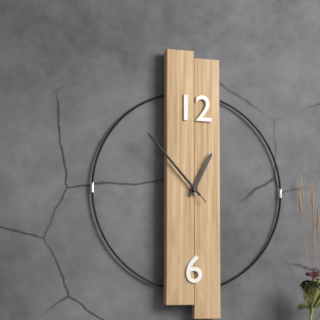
12:53:53
